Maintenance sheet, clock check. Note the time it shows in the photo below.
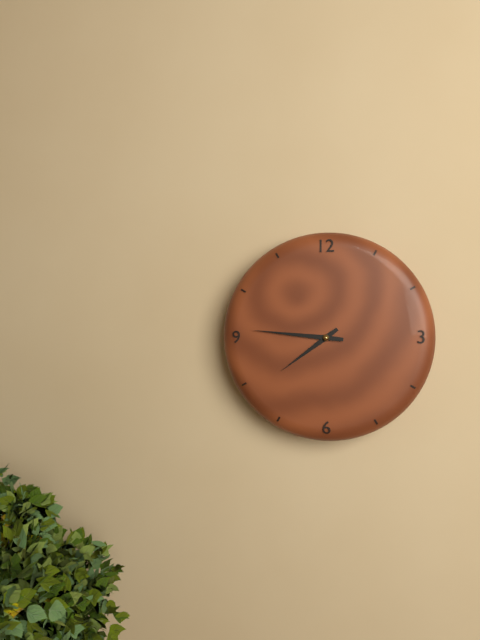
7:46
